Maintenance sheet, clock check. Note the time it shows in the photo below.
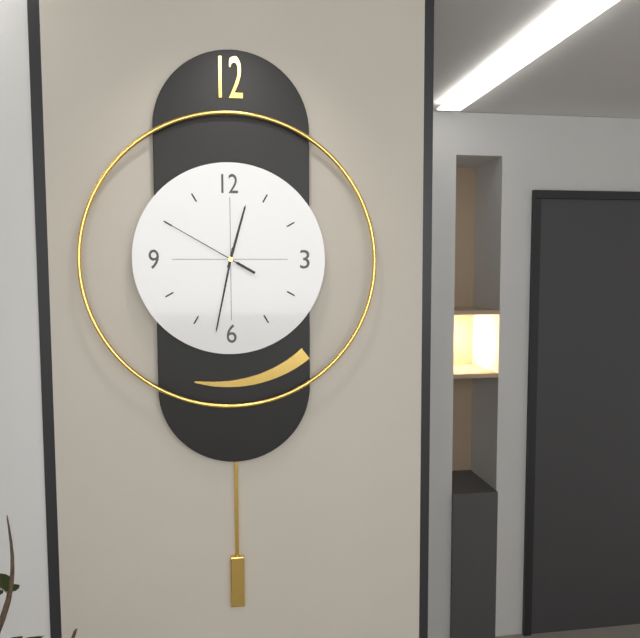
12:32:50
